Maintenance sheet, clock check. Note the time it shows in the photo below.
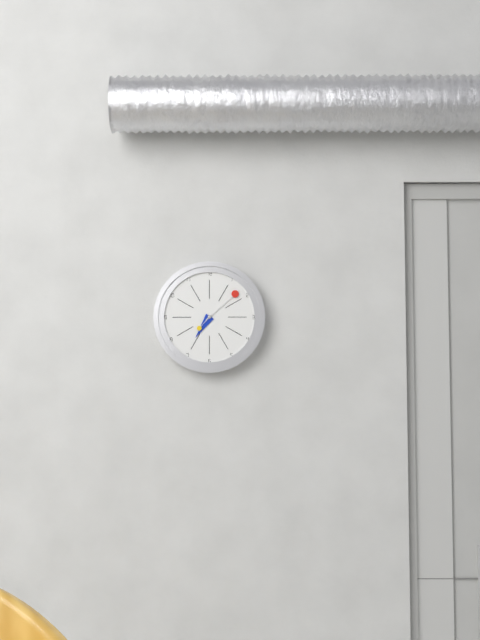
7:08
